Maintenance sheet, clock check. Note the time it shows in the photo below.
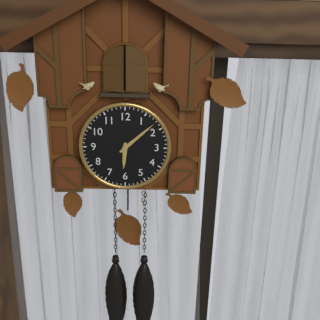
6:08
